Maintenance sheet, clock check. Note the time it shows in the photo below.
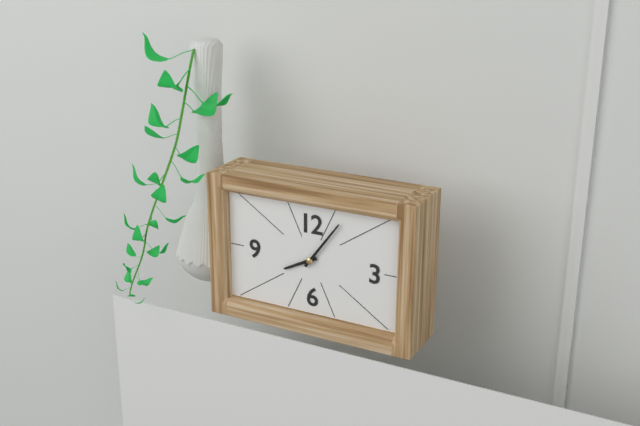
8:06
